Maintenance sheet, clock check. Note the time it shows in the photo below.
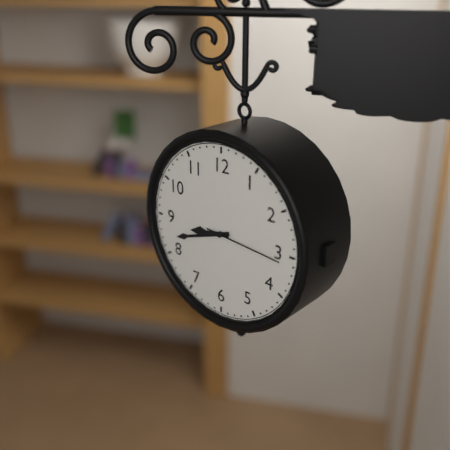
8:42:16
